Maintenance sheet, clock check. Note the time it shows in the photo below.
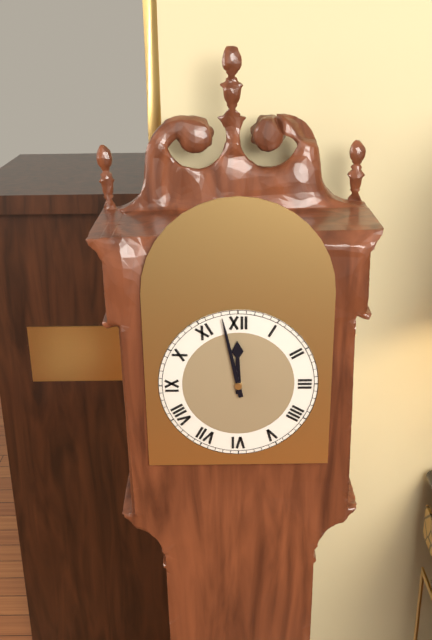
11:58
